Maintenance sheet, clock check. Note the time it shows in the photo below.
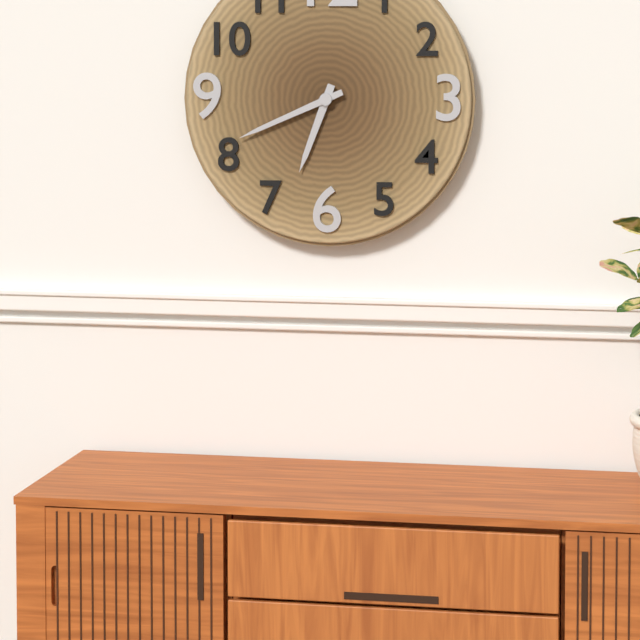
6:41
